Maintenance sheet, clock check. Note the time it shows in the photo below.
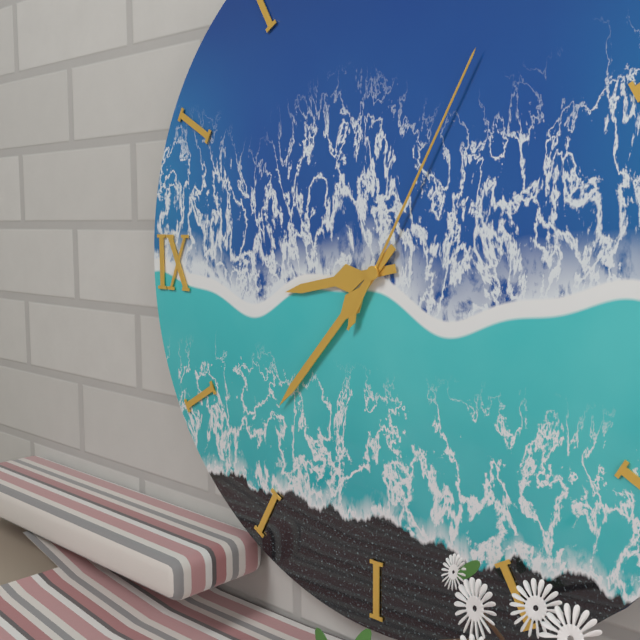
8:37:05
